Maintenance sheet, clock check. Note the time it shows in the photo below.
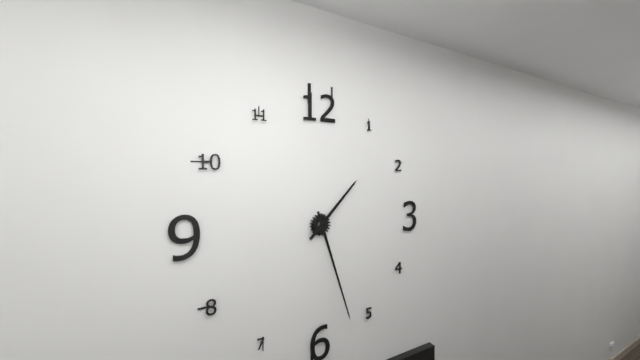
1:27
